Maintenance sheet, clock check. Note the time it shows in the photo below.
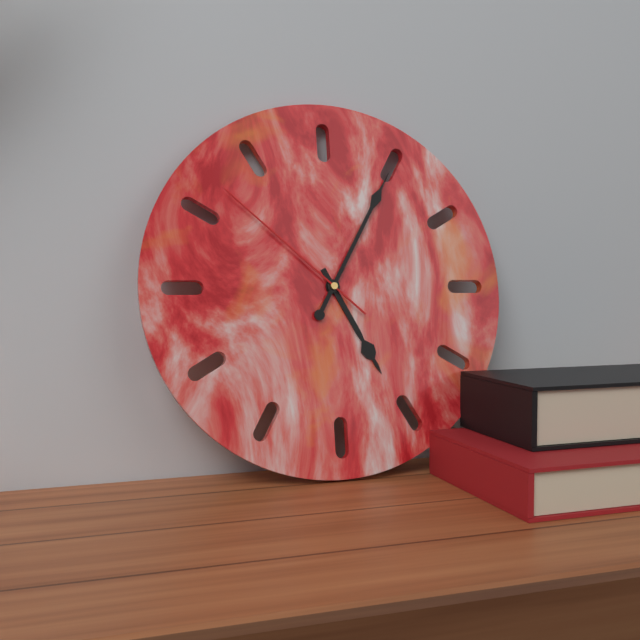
5:05:52
